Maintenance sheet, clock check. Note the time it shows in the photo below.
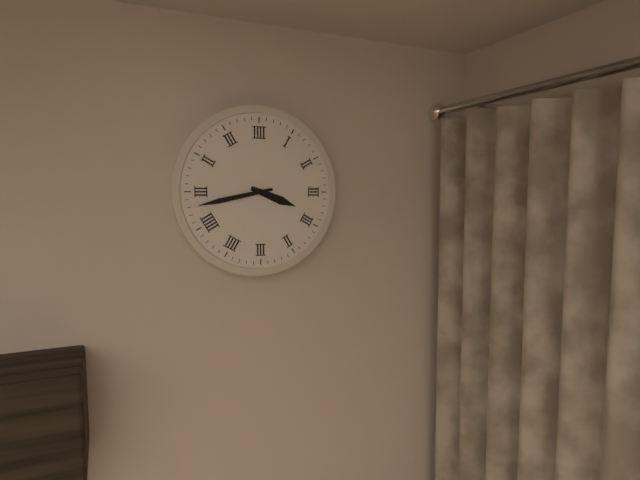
3:43
